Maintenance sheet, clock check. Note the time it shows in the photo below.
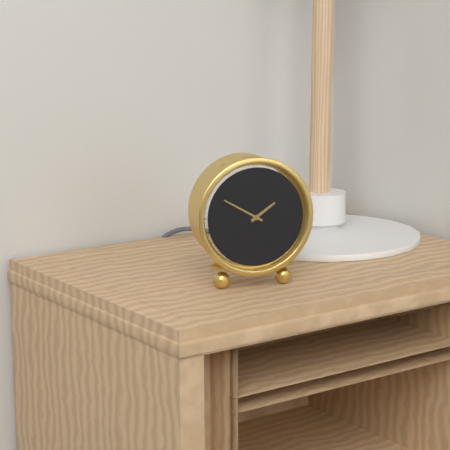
1:50
